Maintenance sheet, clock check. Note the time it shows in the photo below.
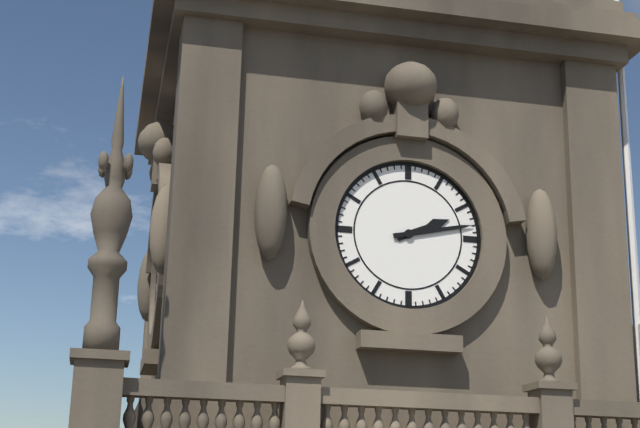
2:13
